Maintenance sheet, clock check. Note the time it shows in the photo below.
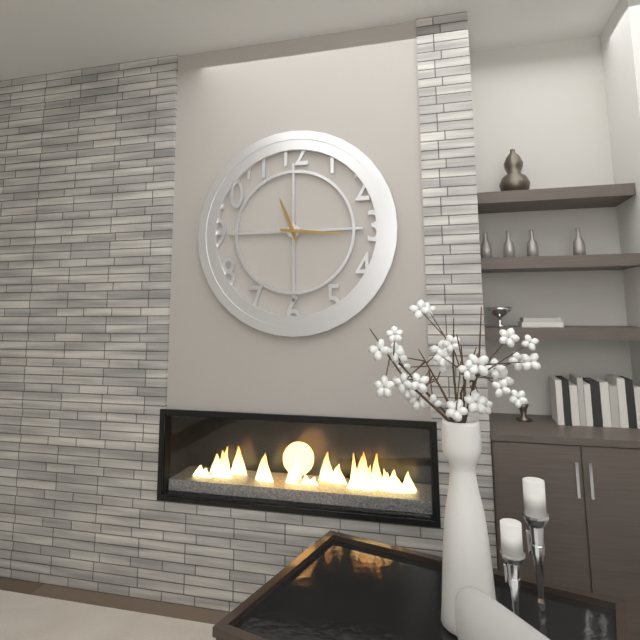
11:16
